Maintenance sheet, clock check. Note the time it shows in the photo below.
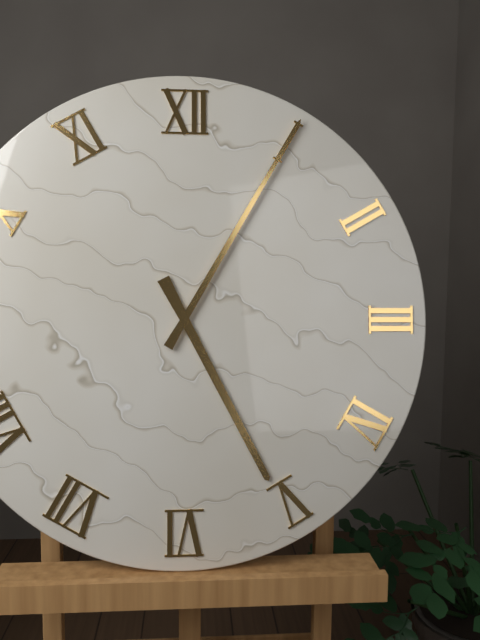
5:05
